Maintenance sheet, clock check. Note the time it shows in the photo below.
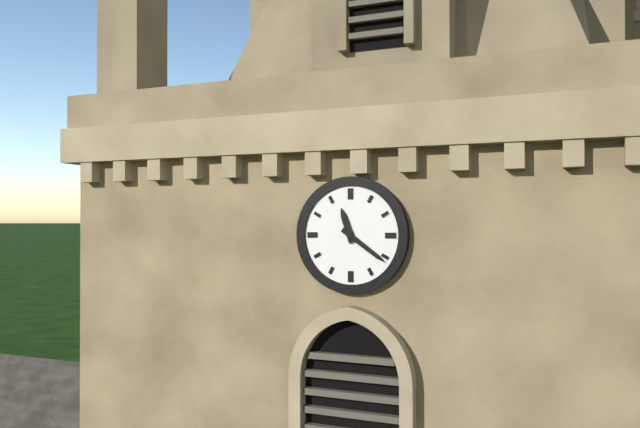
11:21
